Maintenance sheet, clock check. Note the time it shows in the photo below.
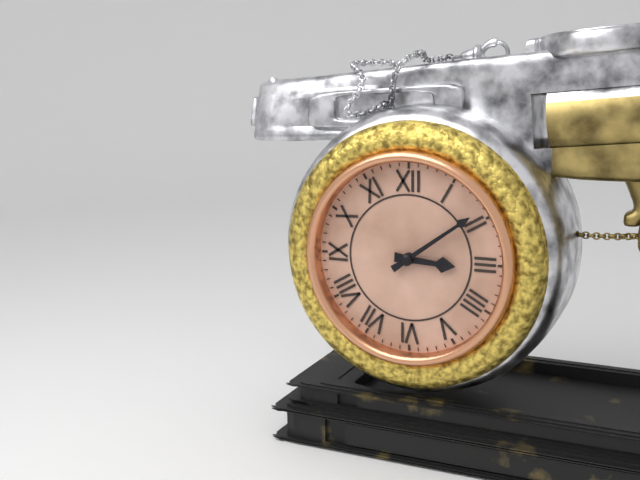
3:09
